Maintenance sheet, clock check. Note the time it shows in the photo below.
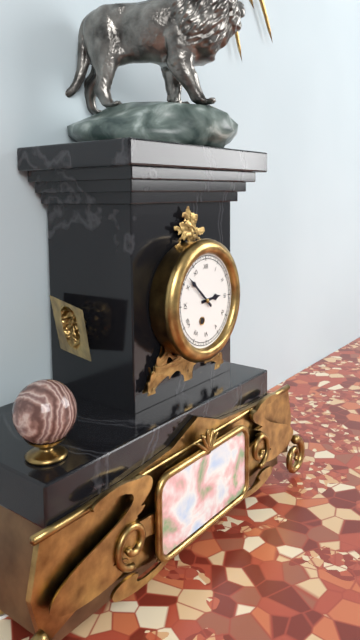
2:52
